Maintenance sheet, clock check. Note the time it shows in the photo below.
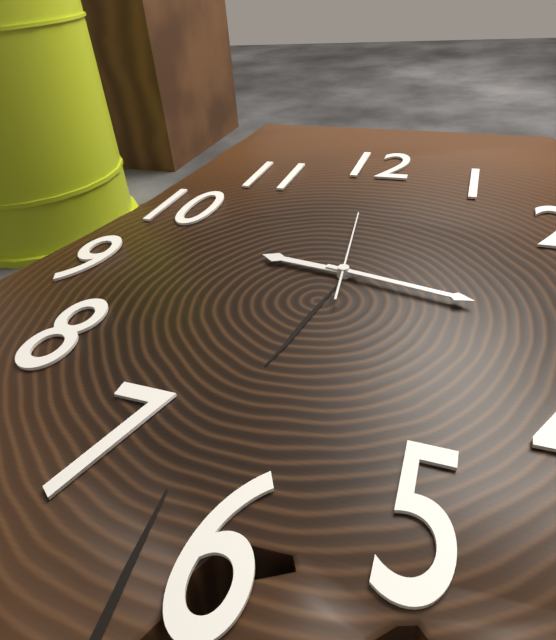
9:17:59
